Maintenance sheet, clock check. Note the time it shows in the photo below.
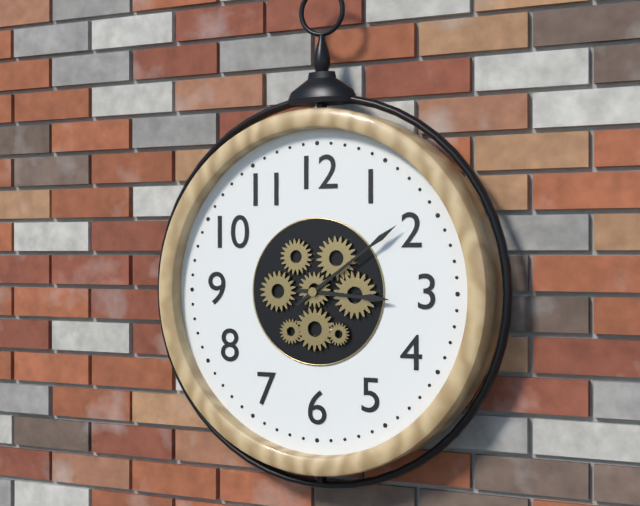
3:09
